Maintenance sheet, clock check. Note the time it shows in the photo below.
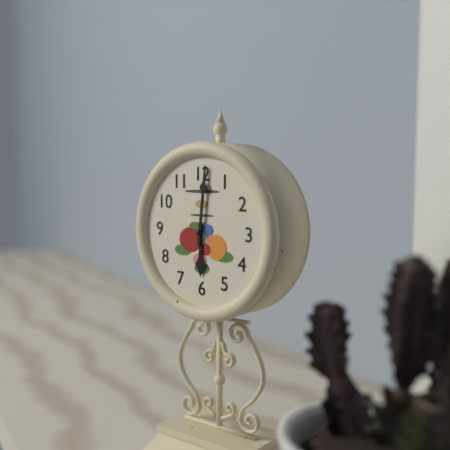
6:01
